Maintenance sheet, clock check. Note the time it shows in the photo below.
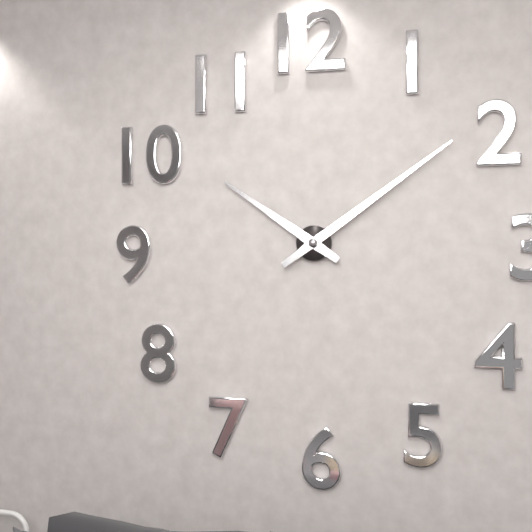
10:09
